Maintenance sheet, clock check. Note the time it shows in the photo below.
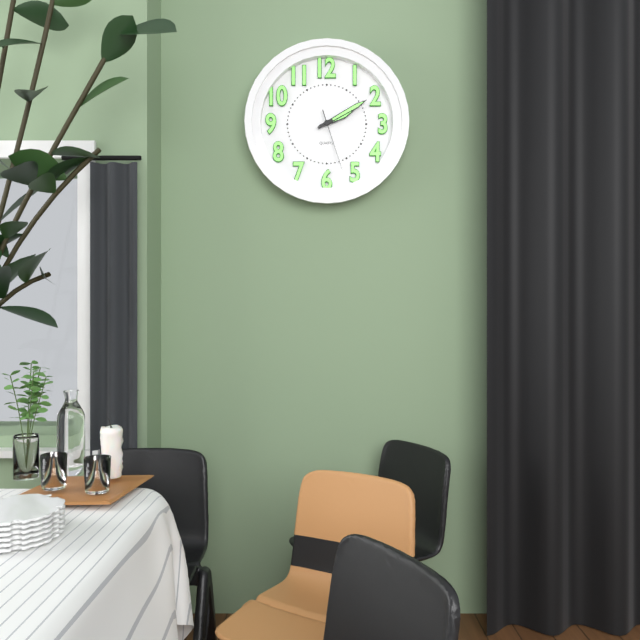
2:10:27
